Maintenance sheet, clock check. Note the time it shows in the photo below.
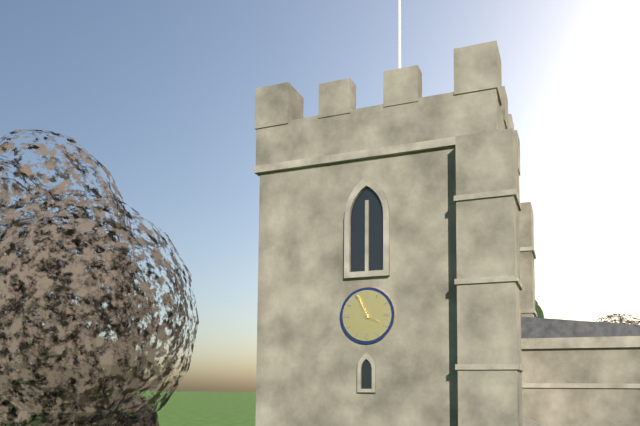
3:56
